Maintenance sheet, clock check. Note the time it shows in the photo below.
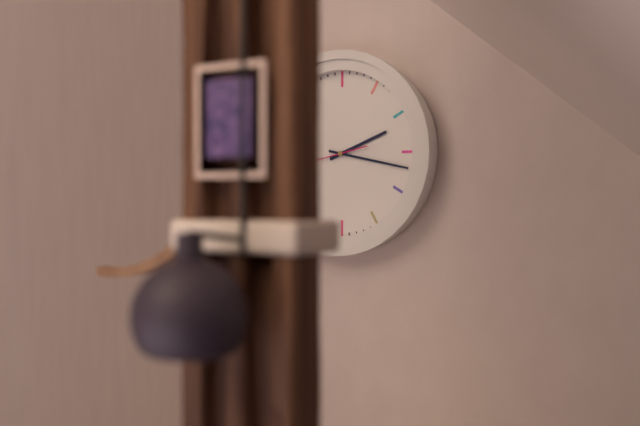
2:17
